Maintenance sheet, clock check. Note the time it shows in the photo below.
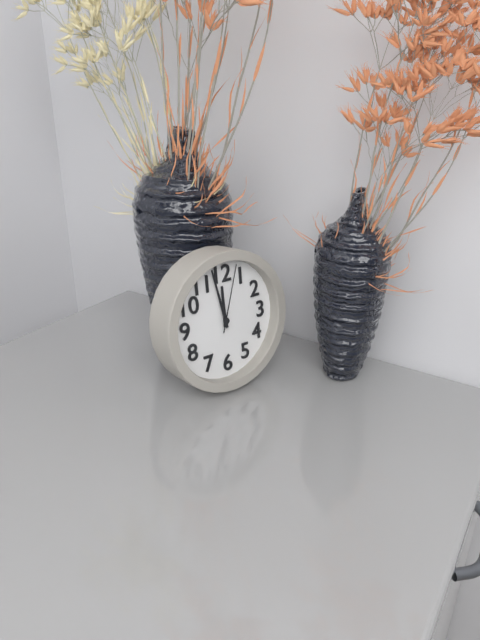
11:58:03
